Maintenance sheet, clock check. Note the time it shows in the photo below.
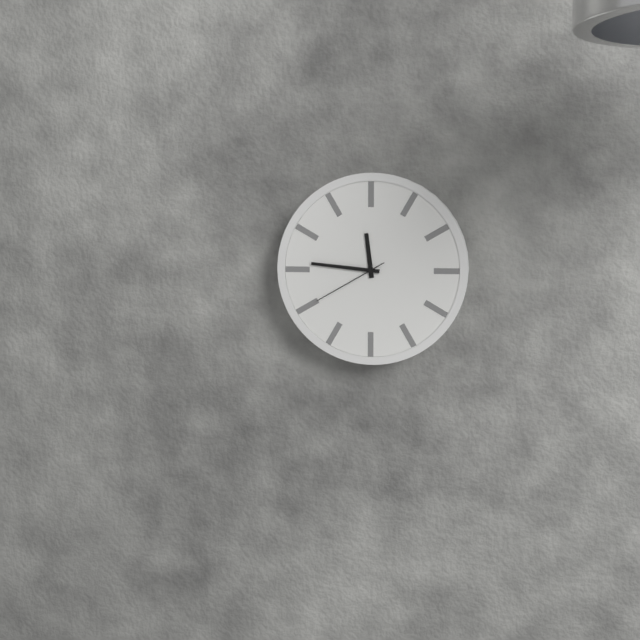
11:46:40
